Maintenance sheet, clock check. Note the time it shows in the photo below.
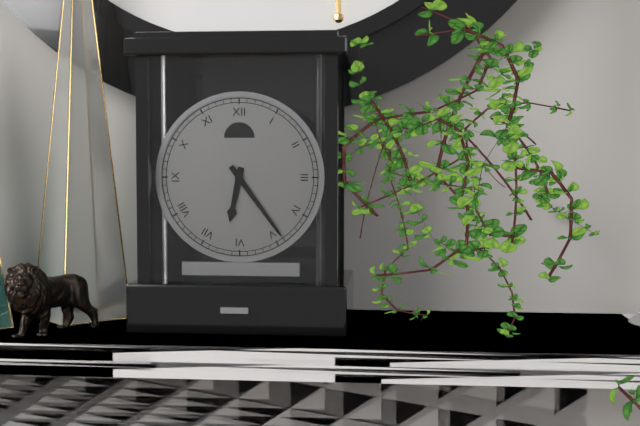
6:24
